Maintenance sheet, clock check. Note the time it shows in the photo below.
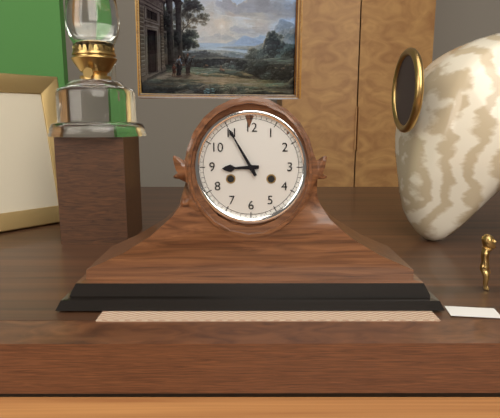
8:55
